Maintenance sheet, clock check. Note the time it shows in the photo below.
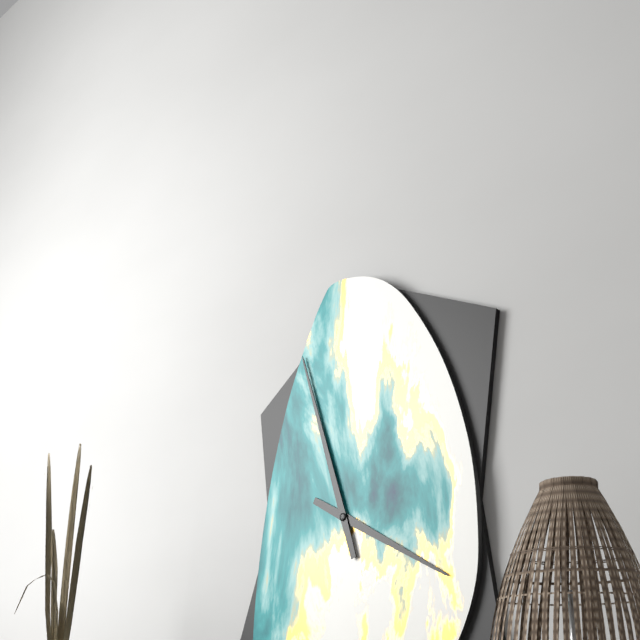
3:57
